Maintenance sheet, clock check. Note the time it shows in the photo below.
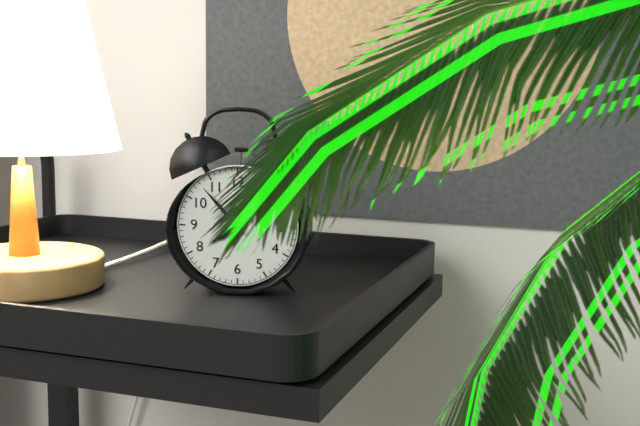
7:53
